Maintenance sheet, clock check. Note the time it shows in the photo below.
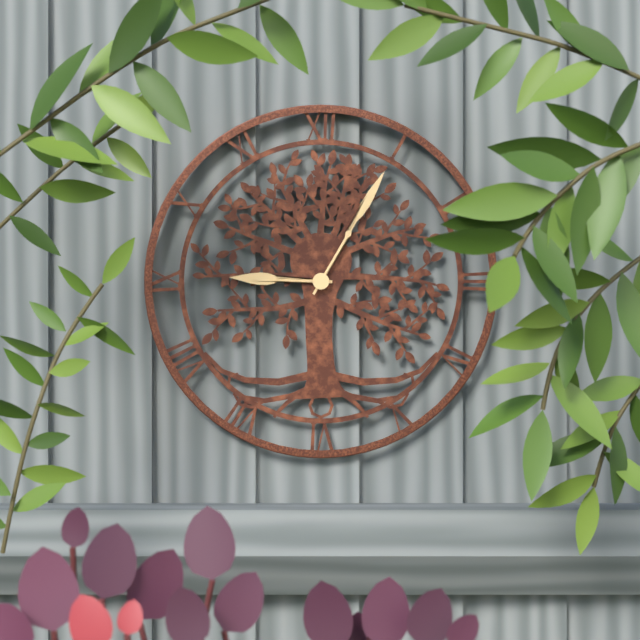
9:05
